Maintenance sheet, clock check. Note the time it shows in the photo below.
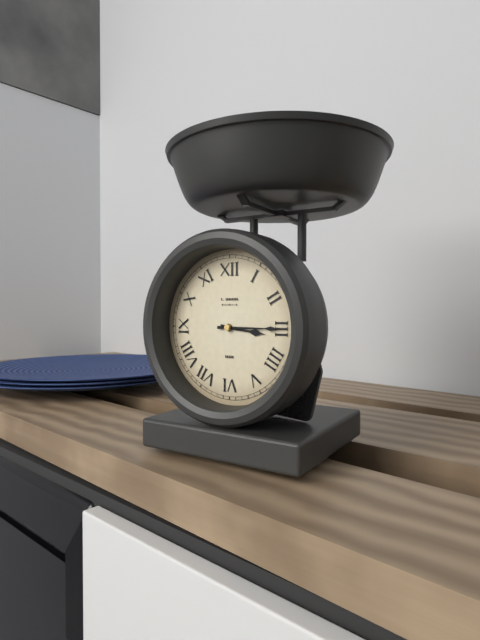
3:15
